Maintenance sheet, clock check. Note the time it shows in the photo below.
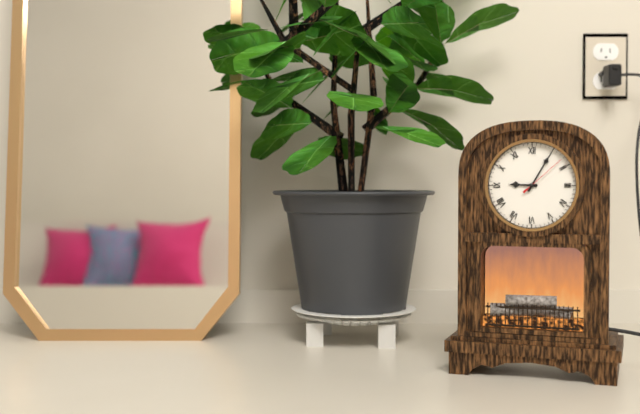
9:05
